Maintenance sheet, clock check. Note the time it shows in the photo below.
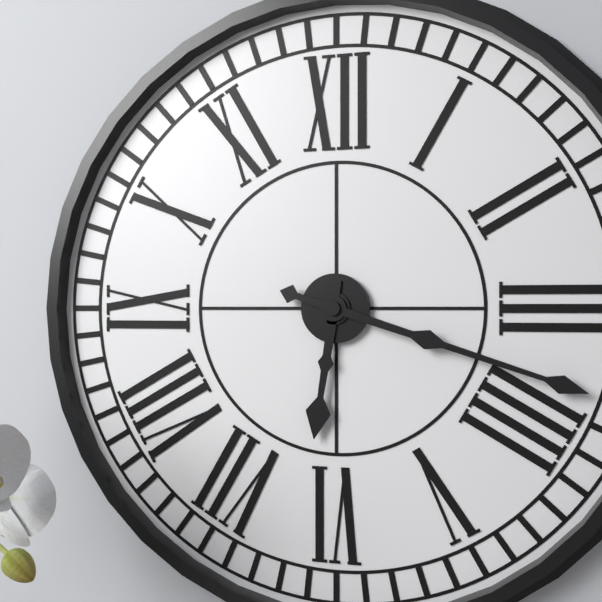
6:18
